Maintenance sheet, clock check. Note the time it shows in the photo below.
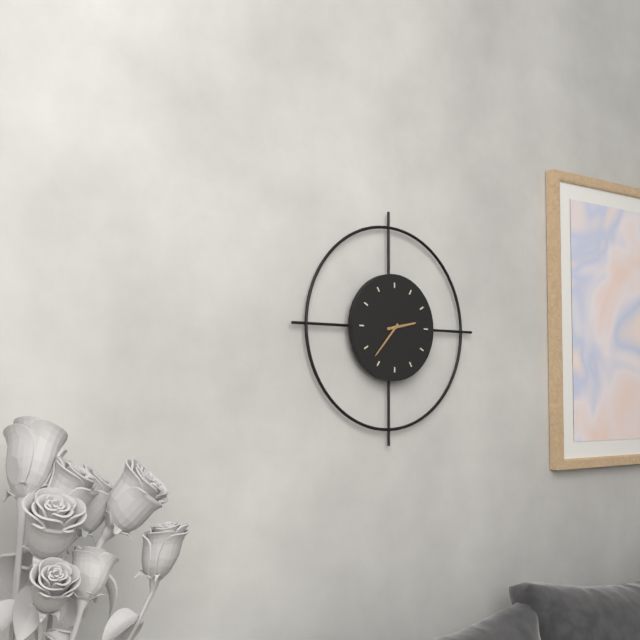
2:37
